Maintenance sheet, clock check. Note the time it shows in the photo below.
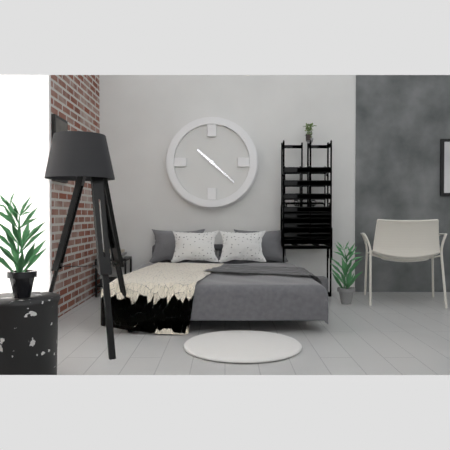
10:22
